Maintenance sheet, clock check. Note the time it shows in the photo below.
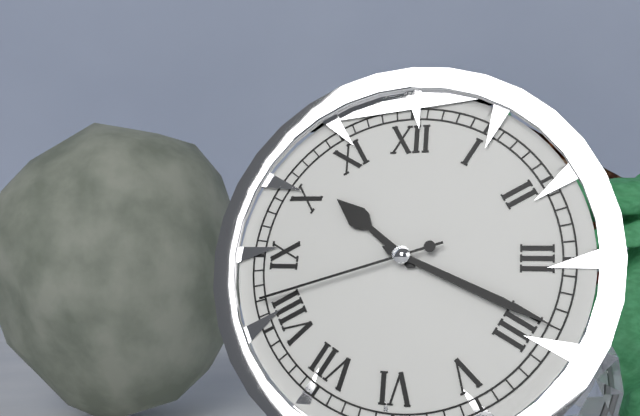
10:19:42
